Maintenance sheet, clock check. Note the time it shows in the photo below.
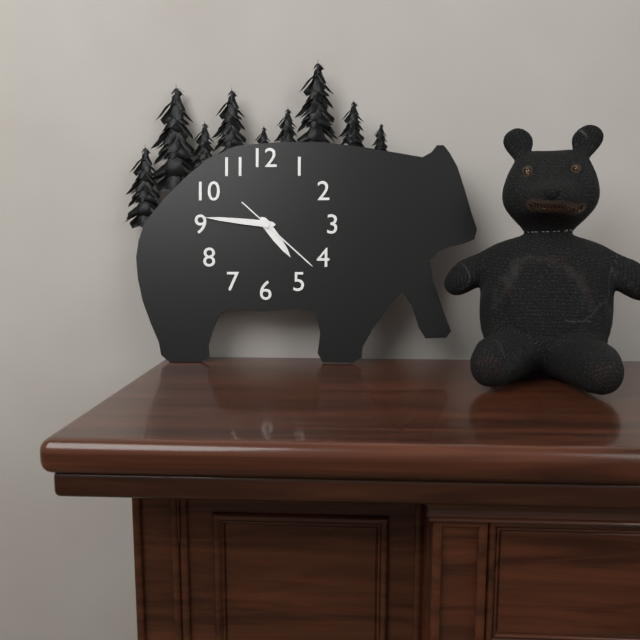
4:46:22
